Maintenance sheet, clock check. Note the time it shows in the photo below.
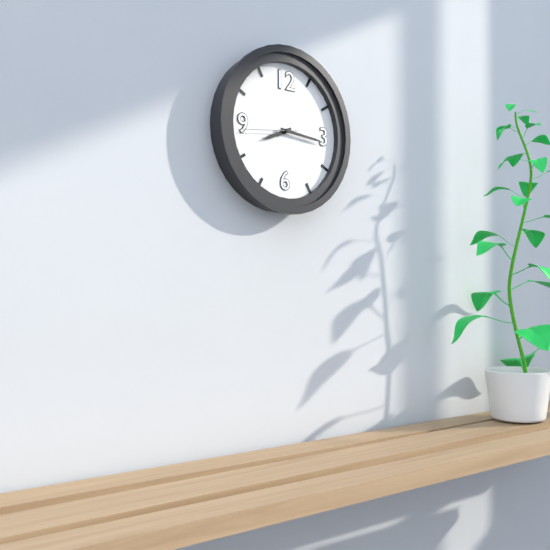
8:16:44
